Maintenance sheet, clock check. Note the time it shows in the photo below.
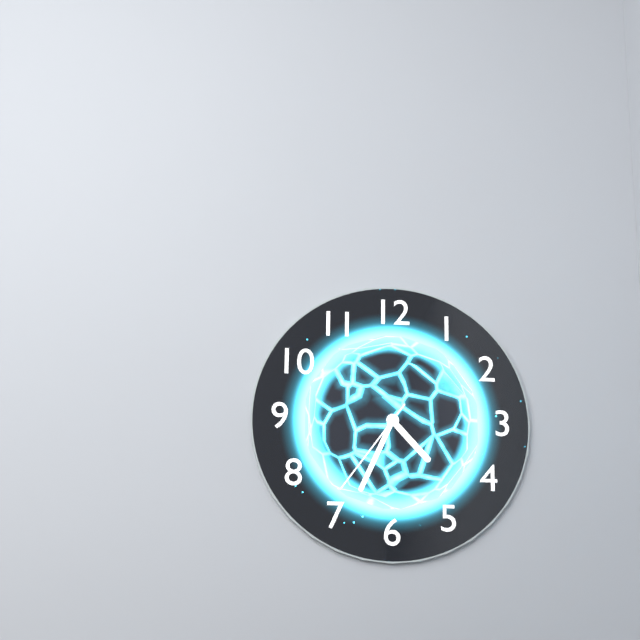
4:34:36
